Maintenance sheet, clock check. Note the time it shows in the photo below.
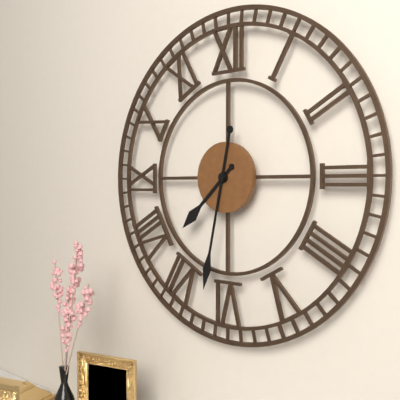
7:32
